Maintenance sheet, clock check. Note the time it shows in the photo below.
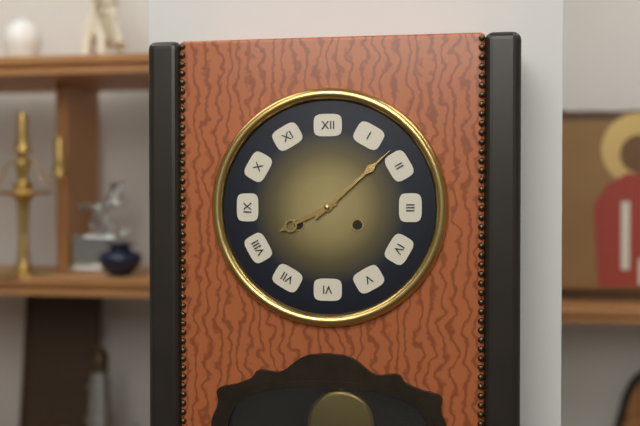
8:08
